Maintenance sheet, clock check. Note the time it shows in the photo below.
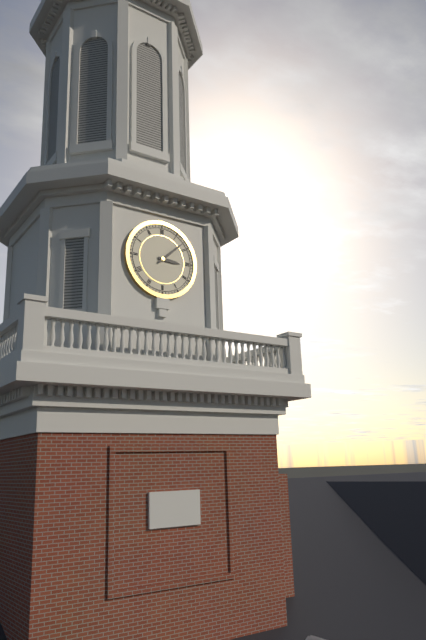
3:08
